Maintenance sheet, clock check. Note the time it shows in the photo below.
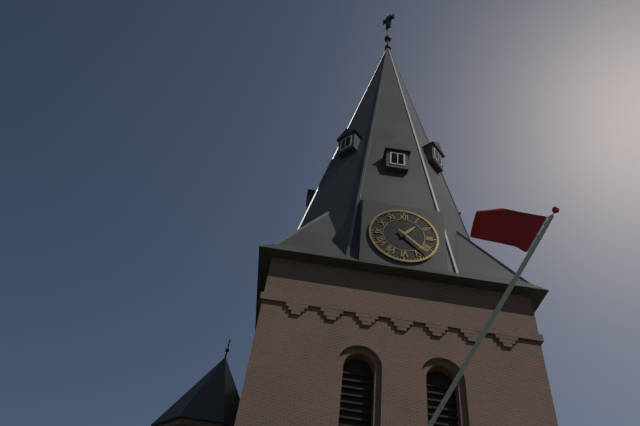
1:22
